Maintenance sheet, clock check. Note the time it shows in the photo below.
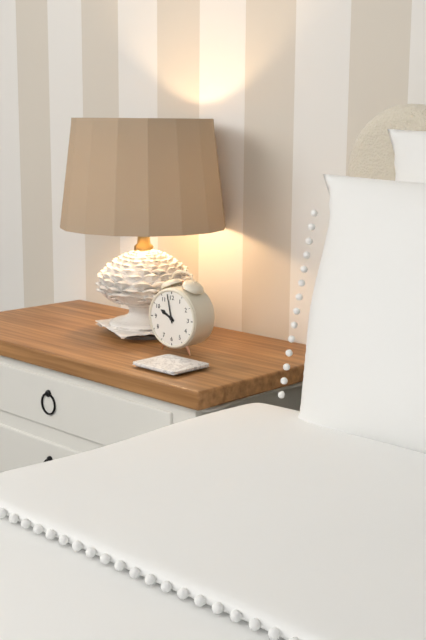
9:58
